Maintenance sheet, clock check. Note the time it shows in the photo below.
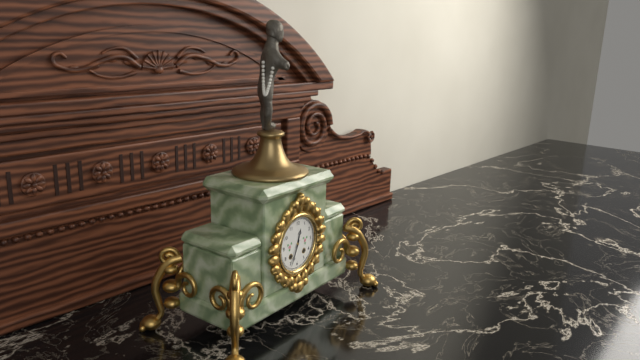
12:34
